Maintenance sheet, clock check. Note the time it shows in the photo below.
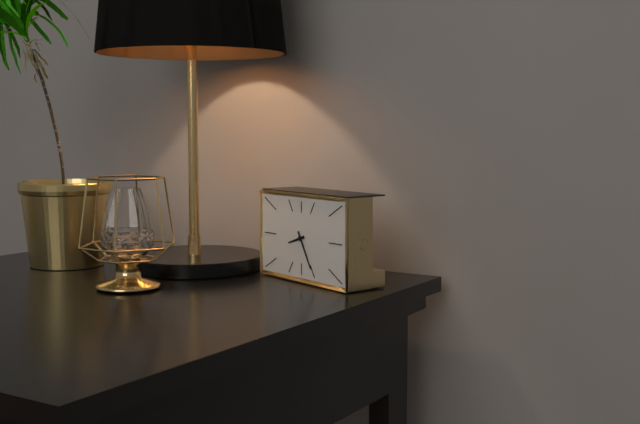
8:25
